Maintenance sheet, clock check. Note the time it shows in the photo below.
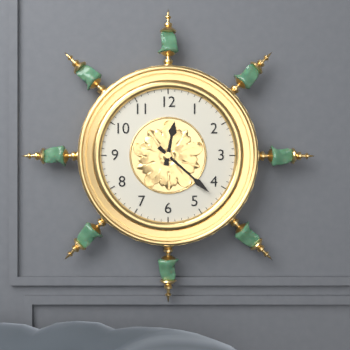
12:22
